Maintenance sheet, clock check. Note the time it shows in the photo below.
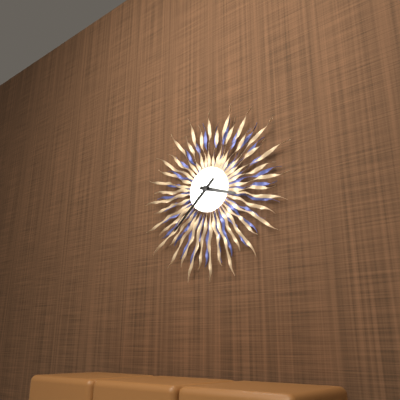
3:38
